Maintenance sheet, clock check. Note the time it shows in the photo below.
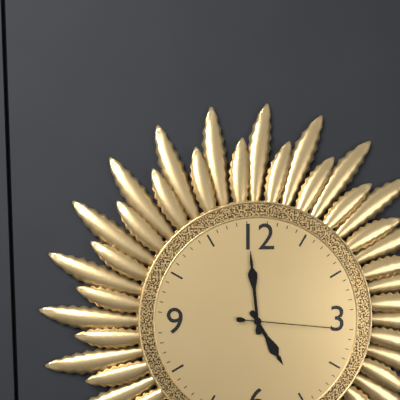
4:59:16
